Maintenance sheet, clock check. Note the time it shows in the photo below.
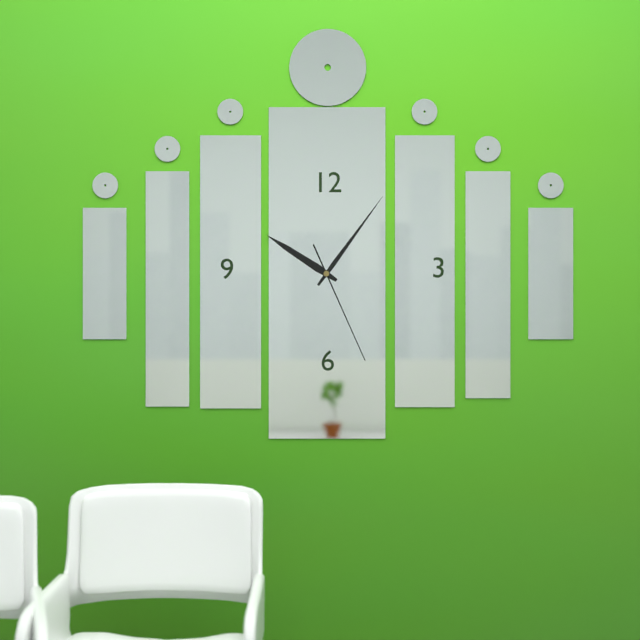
10:06:26
